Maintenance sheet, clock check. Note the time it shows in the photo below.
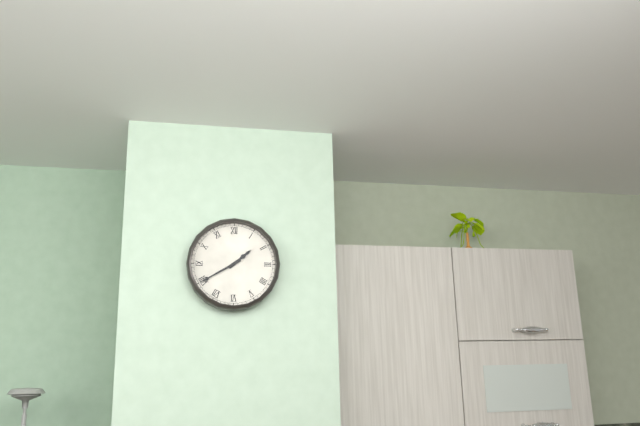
1:40
